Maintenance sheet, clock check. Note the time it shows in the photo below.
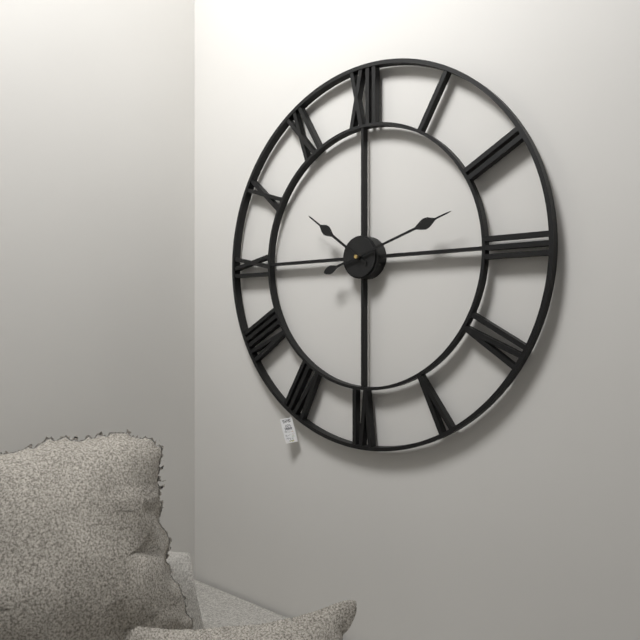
10:12
